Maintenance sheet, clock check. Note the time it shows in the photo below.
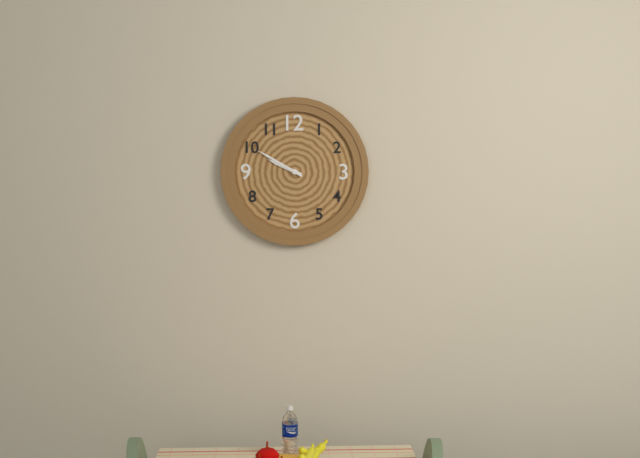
9:50
